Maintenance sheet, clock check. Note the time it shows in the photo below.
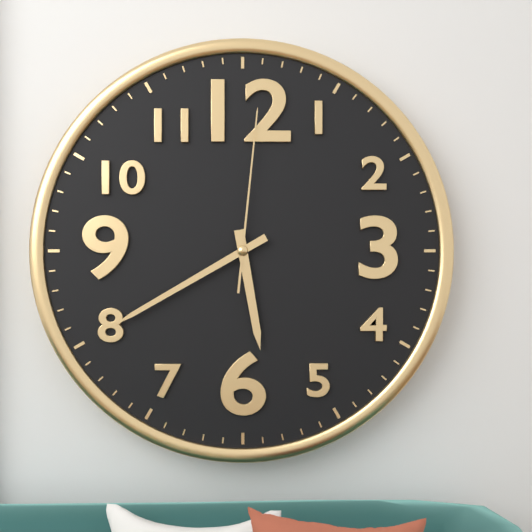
5:40:01
